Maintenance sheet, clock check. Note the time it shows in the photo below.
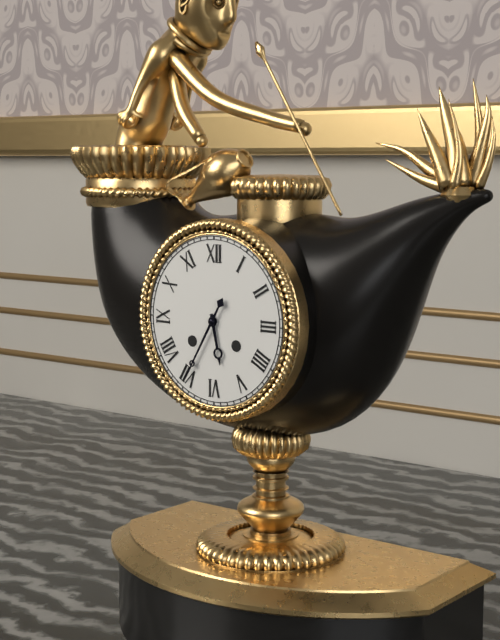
5:35
